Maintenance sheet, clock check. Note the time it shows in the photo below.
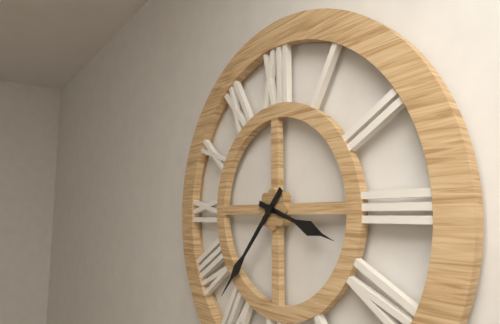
3:37
